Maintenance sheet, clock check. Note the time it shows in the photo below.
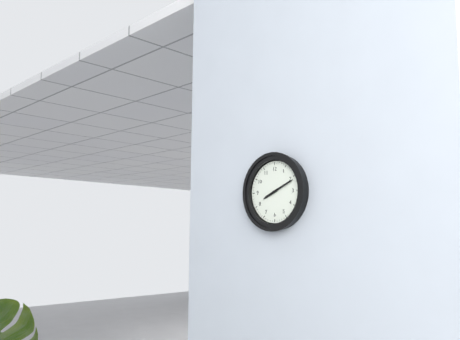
8:11
